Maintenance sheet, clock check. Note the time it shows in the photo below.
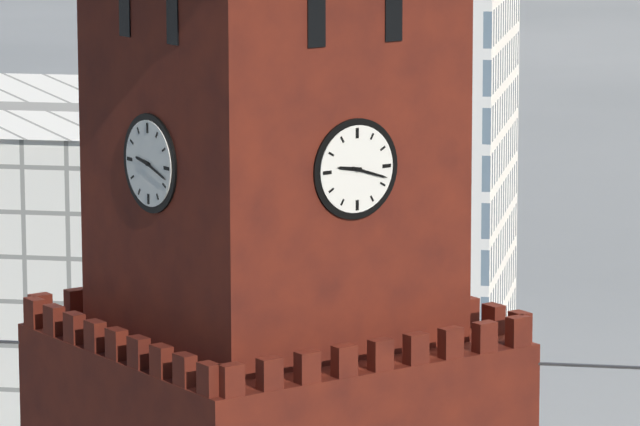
9:18
